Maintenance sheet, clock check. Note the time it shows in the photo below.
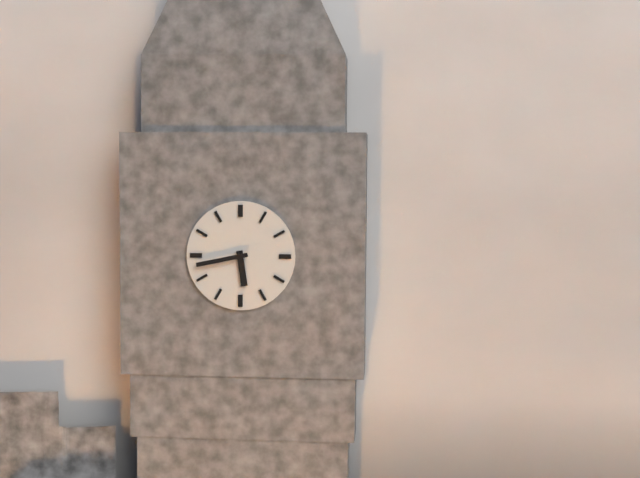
5:43
